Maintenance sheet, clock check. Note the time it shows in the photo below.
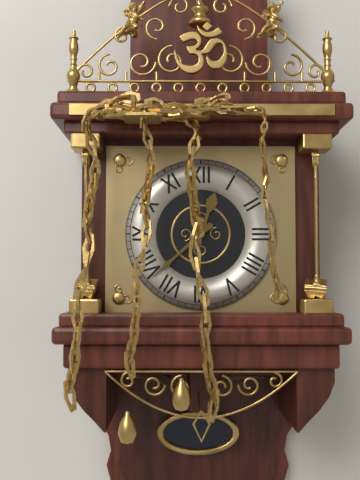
12:38
